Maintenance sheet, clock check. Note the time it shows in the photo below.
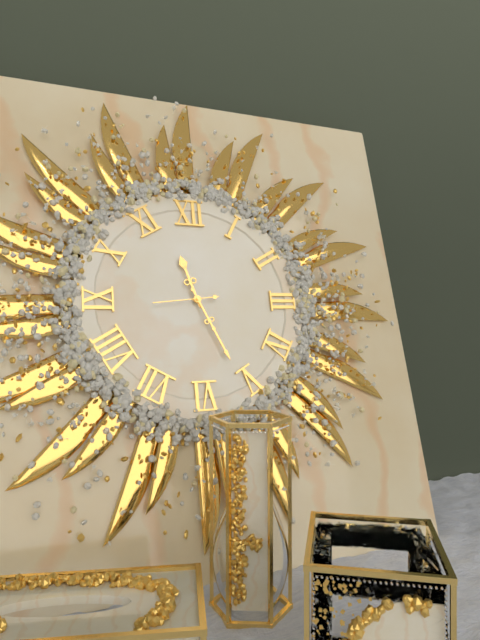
11:26:44
